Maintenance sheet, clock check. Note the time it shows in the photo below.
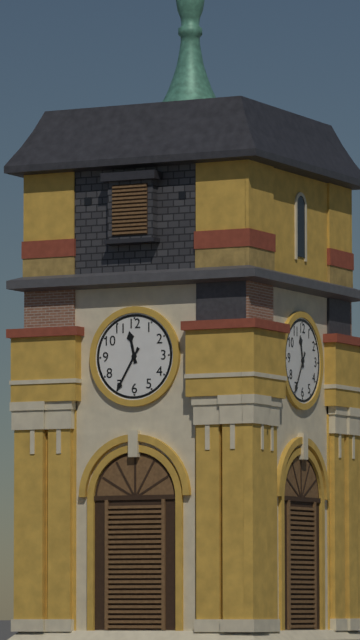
11:35
